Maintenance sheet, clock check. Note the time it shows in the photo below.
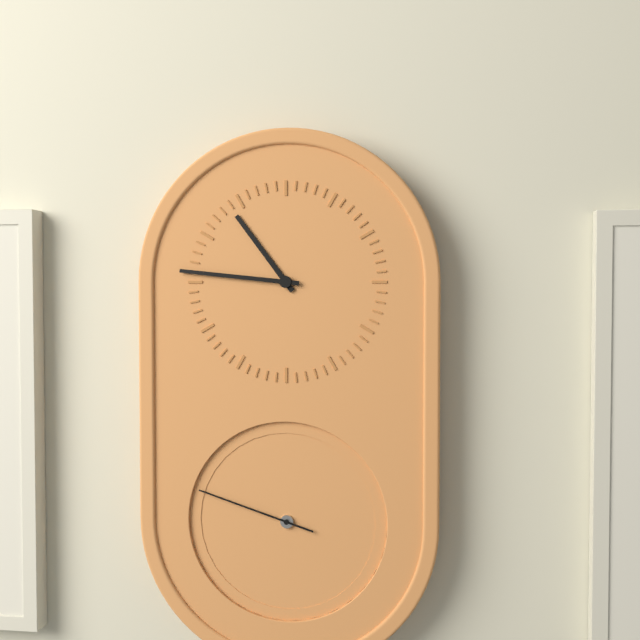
10:46:48
